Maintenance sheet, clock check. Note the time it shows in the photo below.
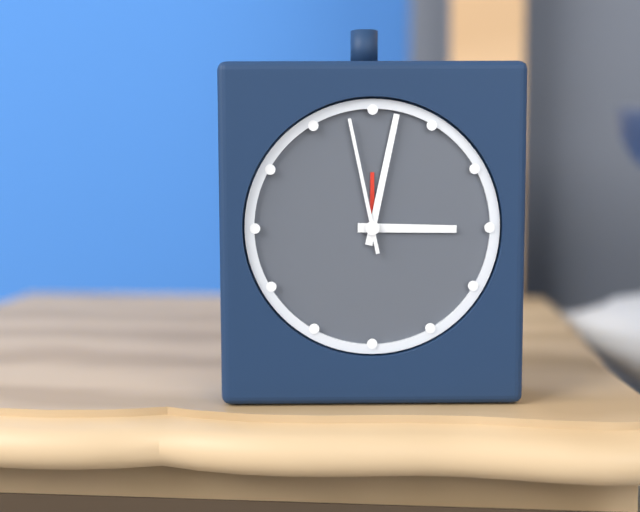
3:02:58
